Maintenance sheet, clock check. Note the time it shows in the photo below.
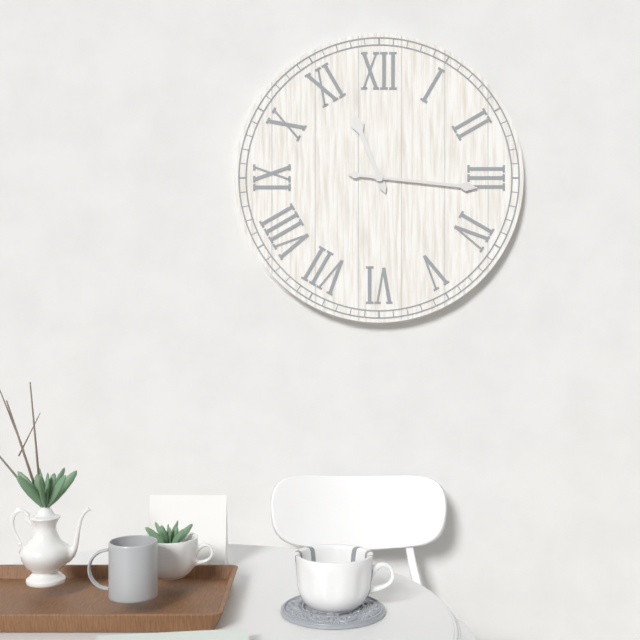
11:16
